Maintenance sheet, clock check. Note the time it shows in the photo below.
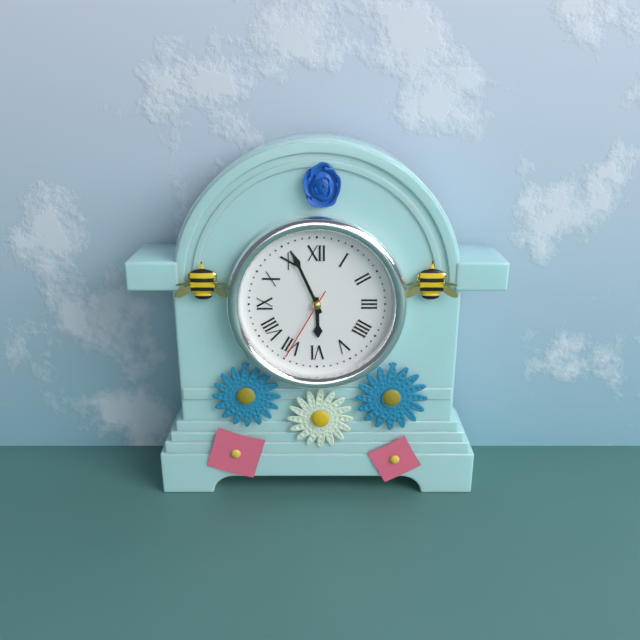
5:56:35
